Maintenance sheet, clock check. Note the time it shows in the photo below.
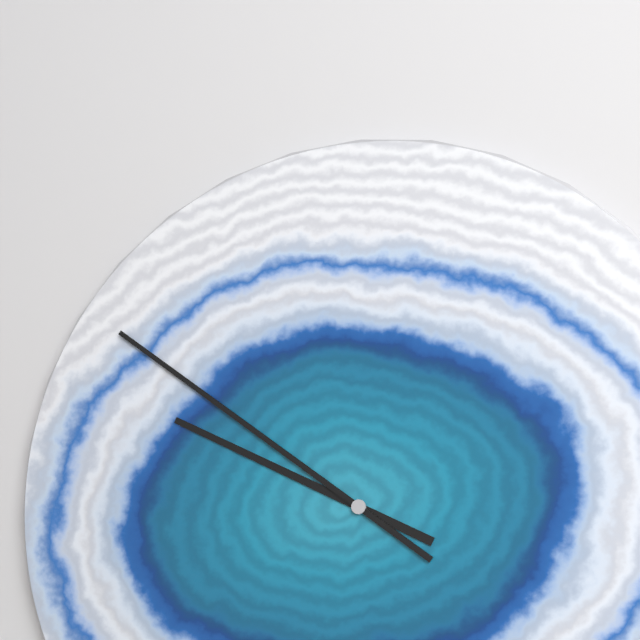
9:51
